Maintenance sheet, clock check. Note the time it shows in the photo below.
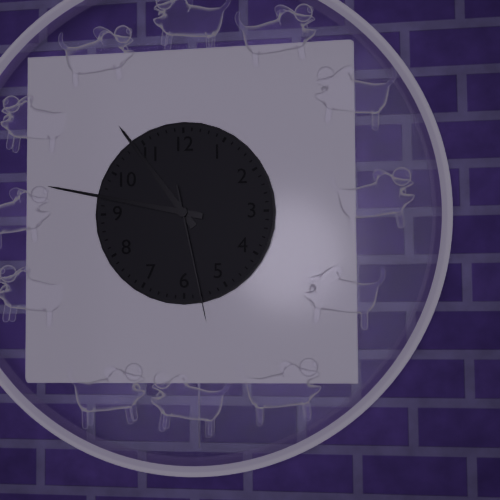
10:47:28
